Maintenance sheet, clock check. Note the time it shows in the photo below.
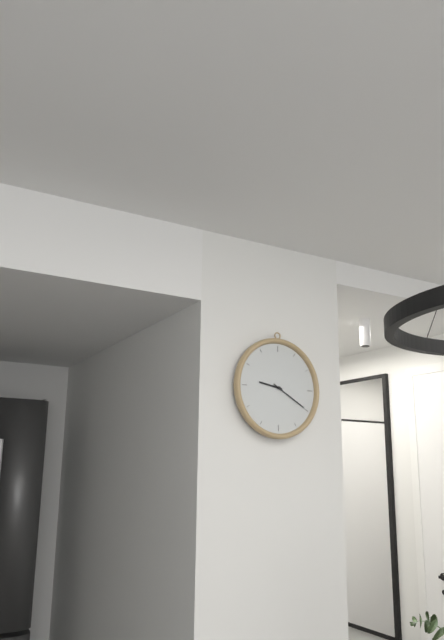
9:20
